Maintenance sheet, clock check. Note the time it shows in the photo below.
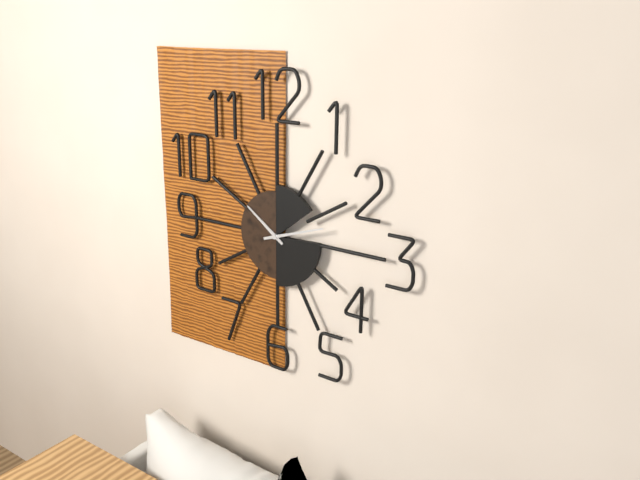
10:12
